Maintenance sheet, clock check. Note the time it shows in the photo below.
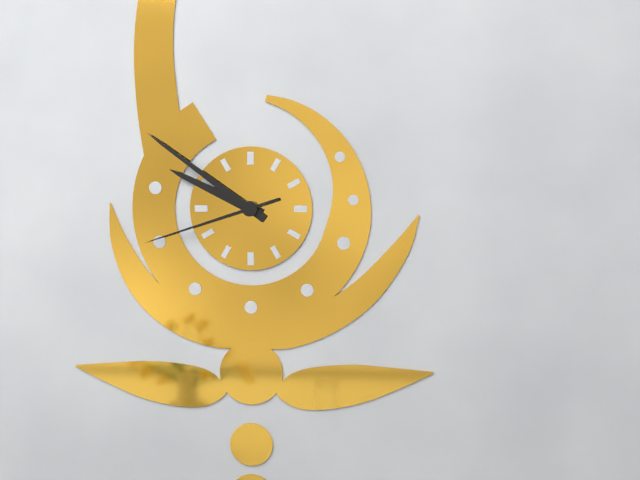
9:51:42
